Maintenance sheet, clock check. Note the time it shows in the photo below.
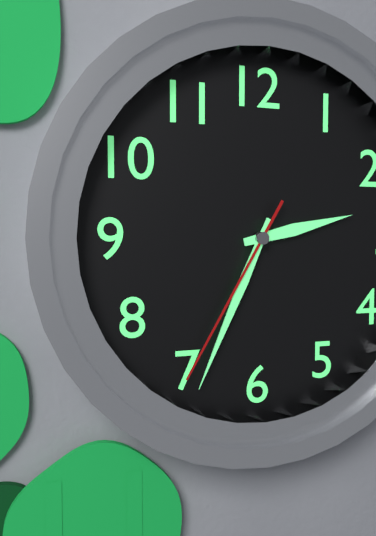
2:34:35
